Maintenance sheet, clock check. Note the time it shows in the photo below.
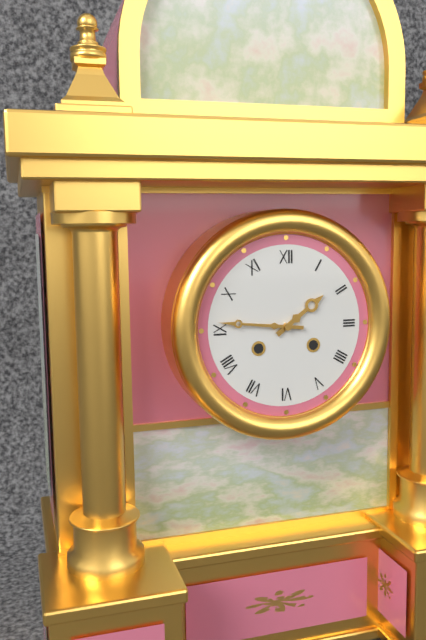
1:46
